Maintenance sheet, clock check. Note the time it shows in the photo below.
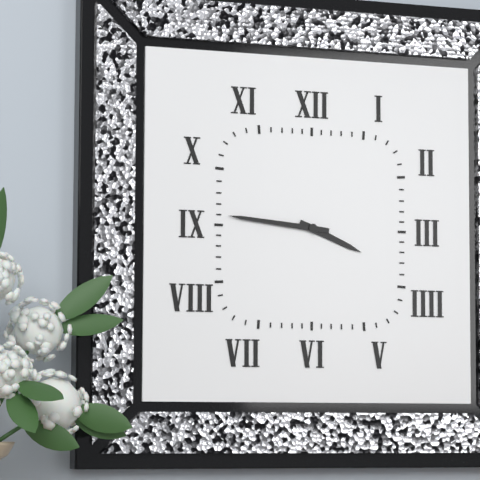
3:46
